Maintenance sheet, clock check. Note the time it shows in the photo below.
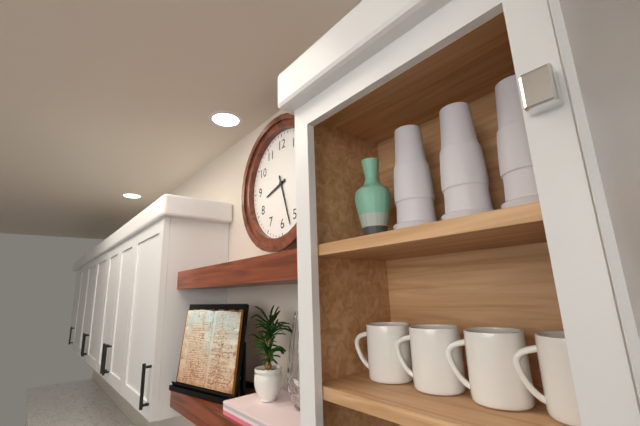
8:27
